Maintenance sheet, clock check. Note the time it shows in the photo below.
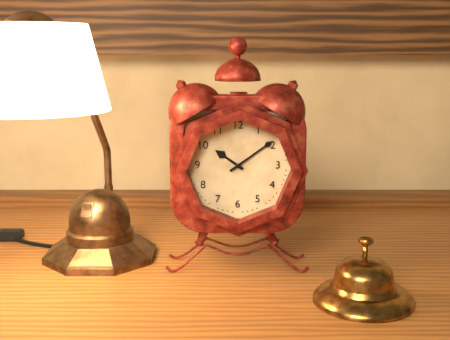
10:09
